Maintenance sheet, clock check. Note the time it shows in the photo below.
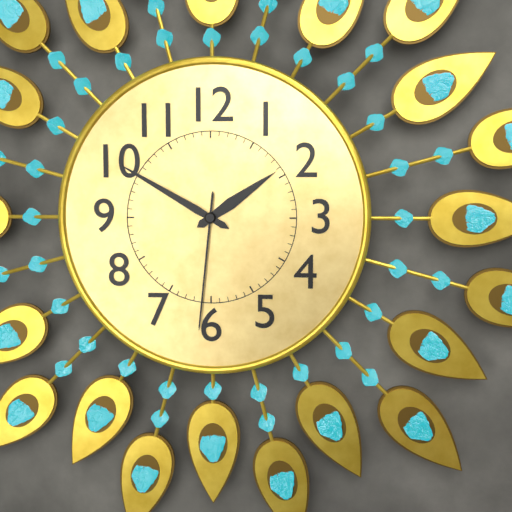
1:50:31
